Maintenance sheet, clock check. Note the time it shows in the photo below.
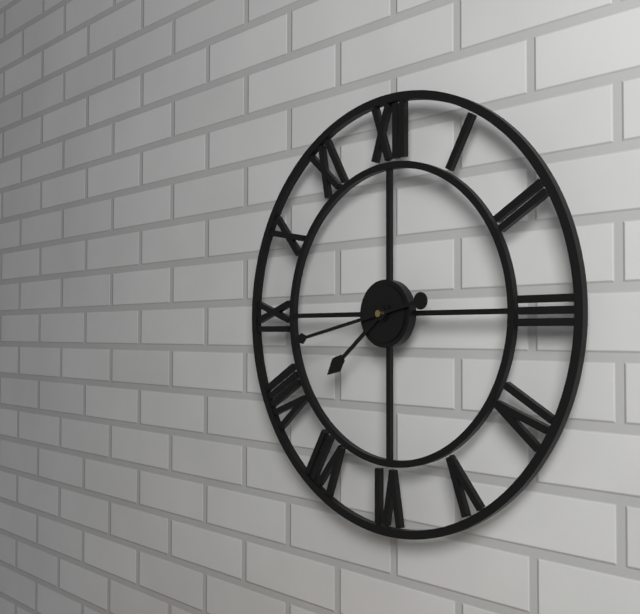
7:43
